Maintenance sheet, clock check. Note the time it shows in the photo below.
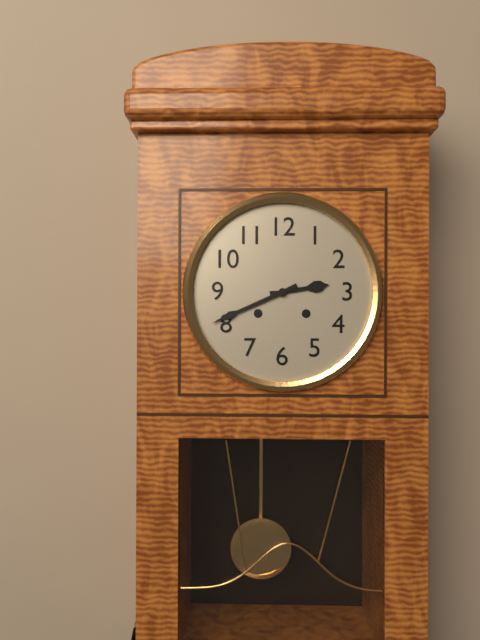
2:41
